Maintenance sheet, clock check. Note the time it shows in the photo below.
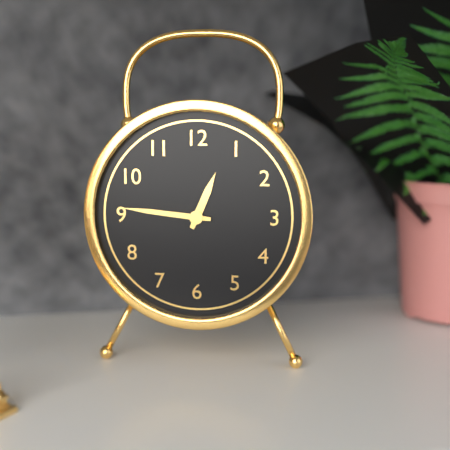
12:46
